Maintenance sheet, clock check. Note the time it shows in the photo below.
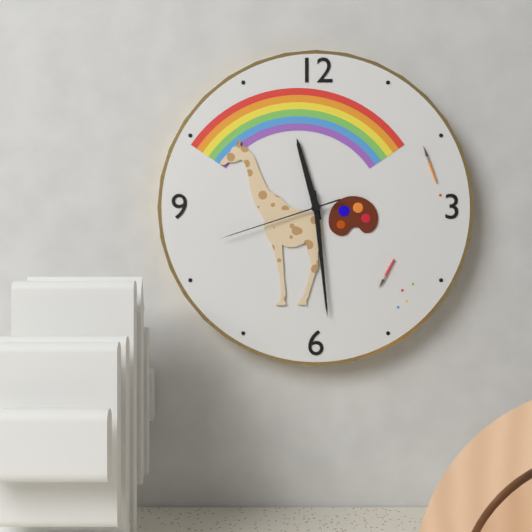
11:29:42
